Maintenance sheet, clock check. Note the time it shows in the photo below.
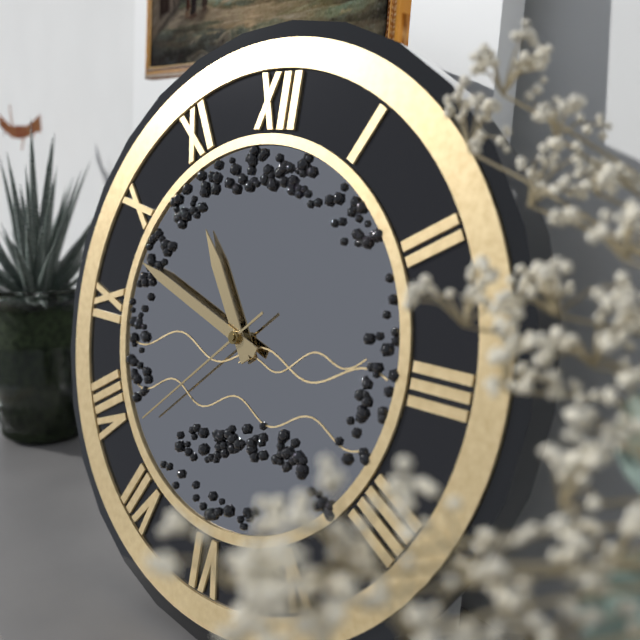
10:48:38
